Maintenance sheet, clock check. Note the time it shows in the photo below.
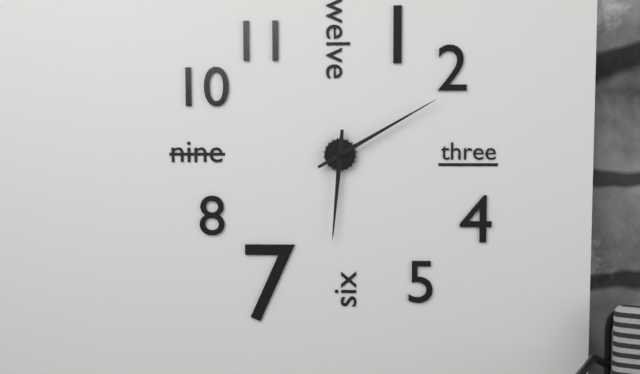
6:10
